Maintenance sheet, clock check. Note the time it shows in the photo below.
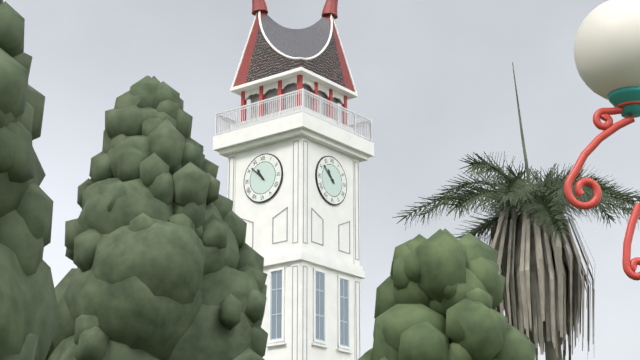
10:52
